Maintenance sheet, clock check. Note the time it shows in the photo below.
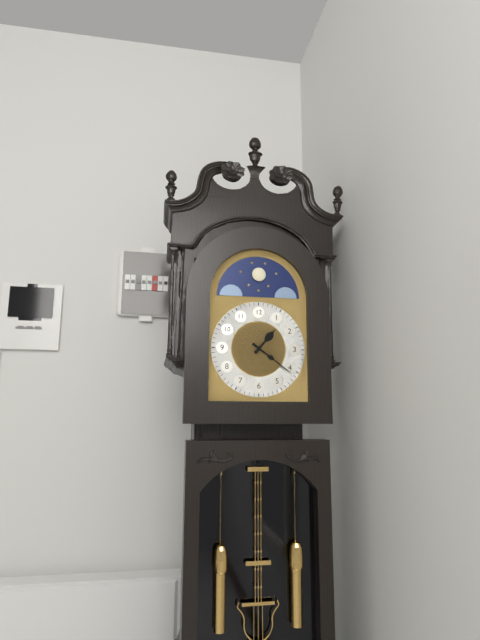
1:21
